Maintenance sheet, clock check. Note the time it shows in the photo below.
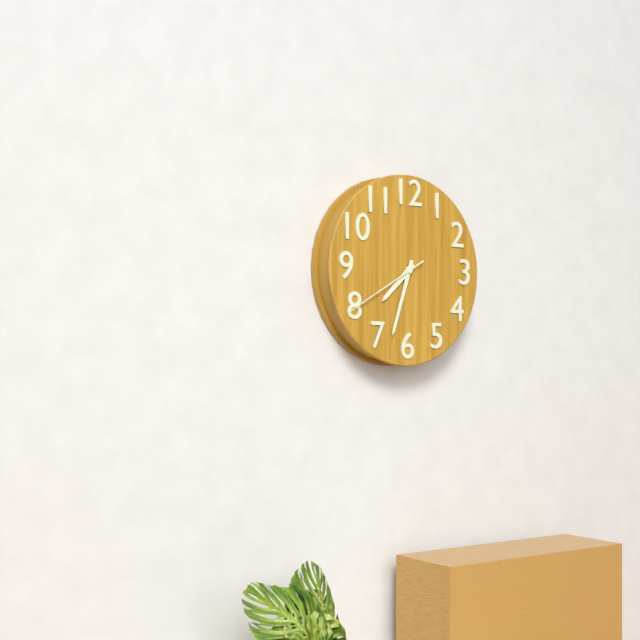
7:33:40
